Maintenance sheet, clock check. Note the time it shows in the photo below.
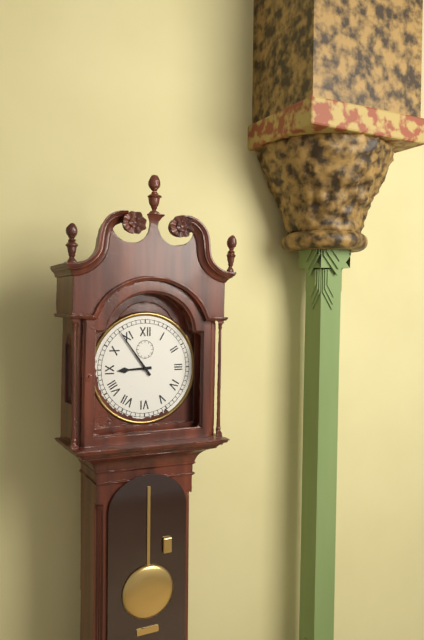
8:54
